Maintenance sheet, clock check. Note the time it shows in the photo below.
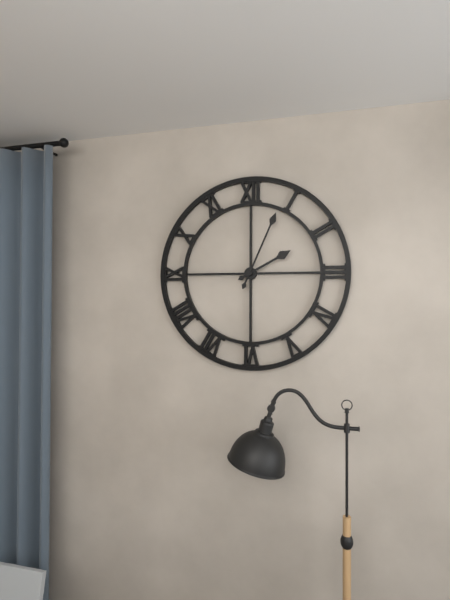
2:04
